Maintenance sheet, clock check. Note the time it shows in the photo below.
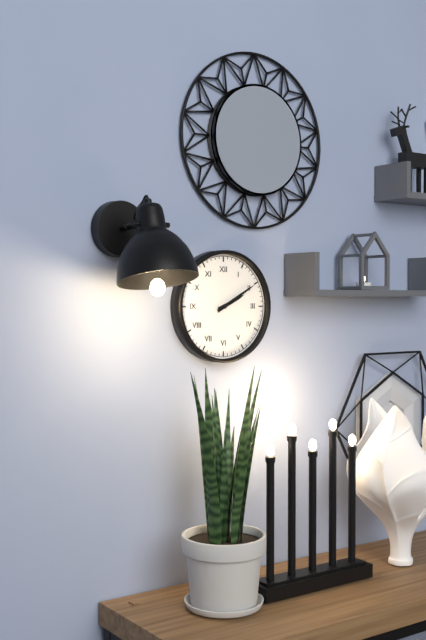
2:10
